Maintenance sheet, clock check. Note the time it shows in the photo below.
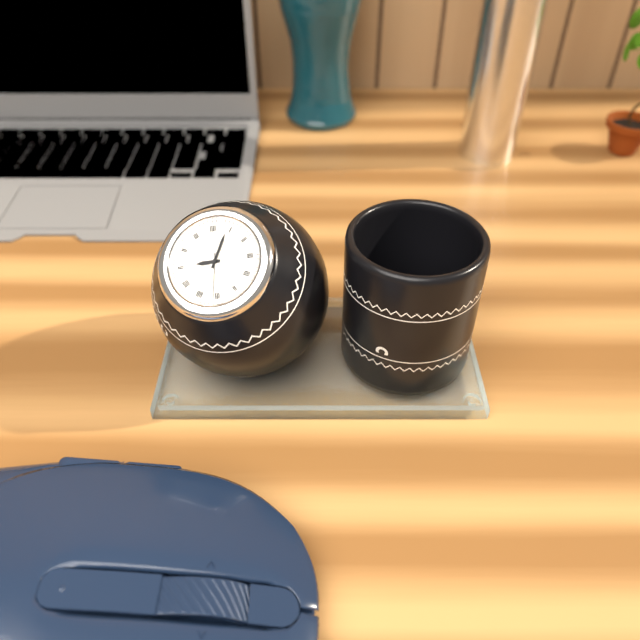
9:04
